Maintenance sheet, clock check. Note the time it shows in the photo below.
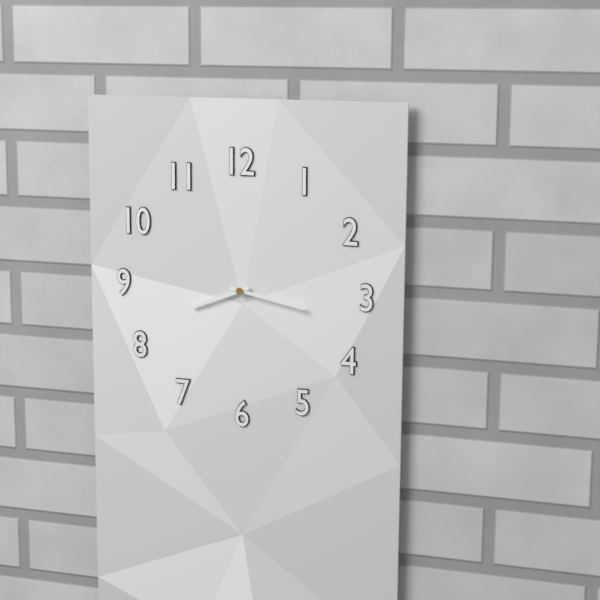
8:17
